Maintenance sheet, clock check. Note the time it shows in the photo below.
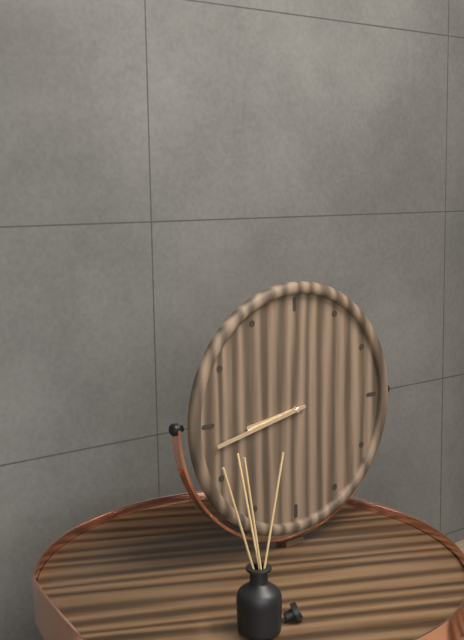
8:43
